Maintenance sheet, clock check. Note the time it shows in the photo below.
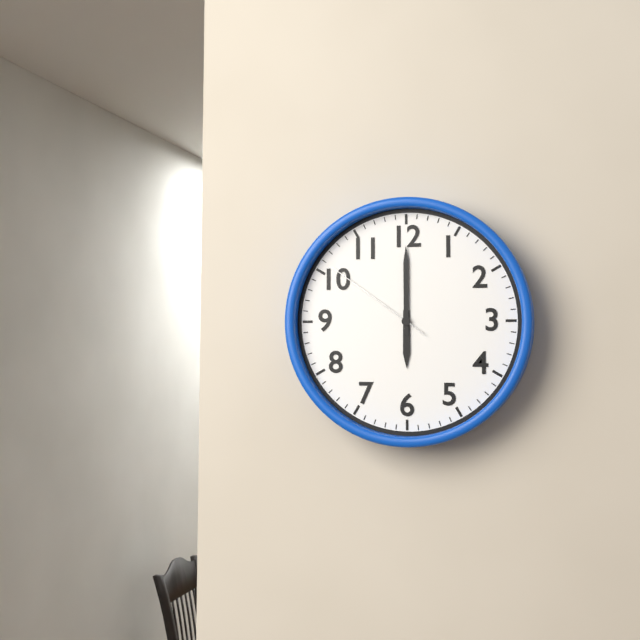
6:00:51
